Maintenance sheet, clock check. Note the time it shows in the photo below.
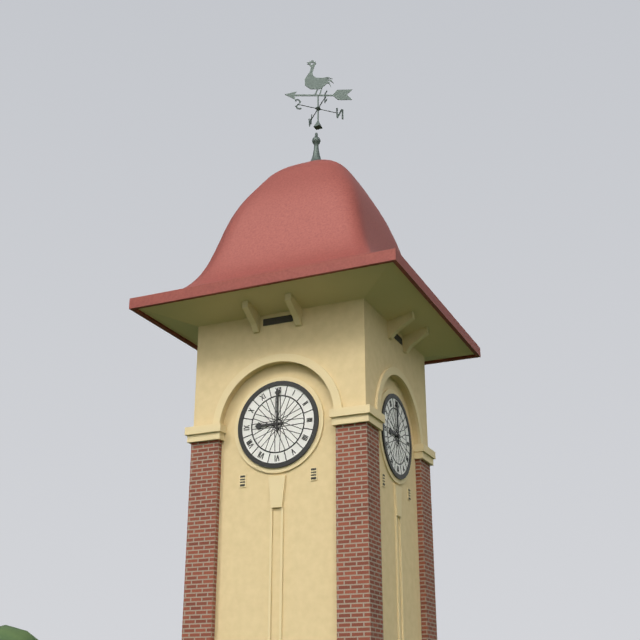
9:00
